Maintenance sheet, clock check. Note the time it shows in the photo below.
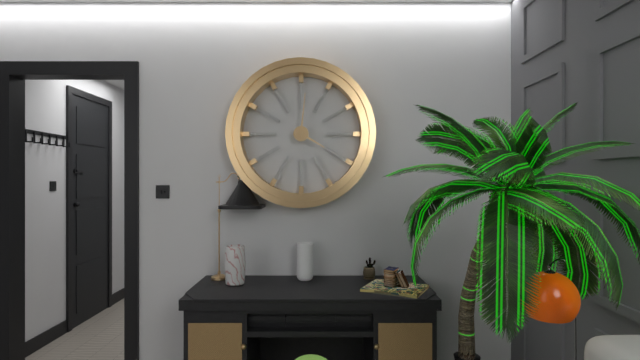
4:01
